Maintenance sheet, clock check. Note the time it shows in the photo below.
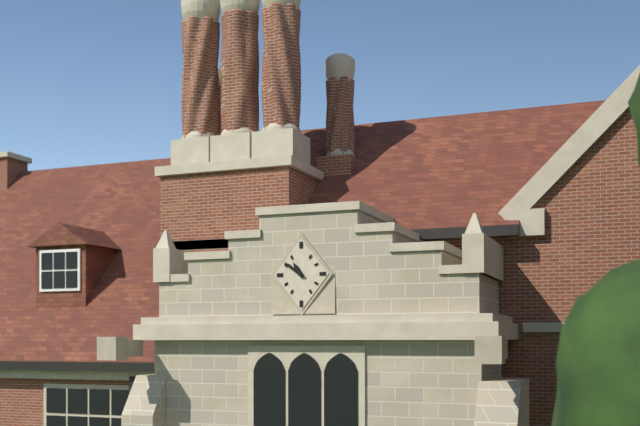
10:51
